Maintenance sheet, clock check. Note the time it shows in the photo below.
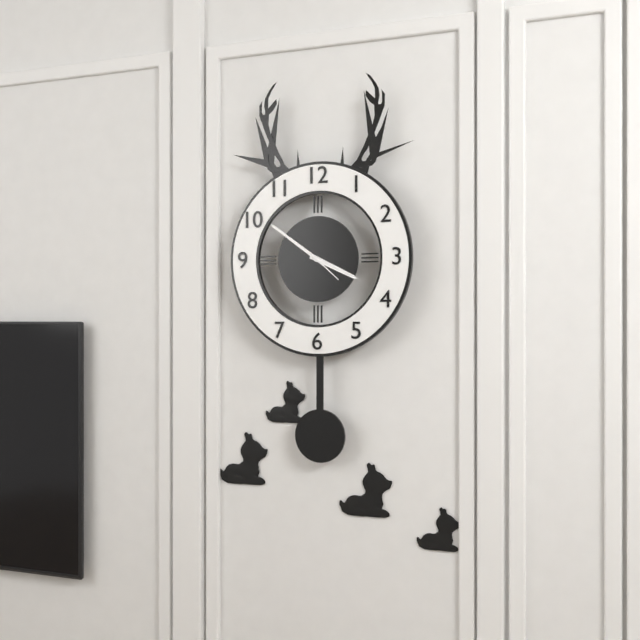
3:51
